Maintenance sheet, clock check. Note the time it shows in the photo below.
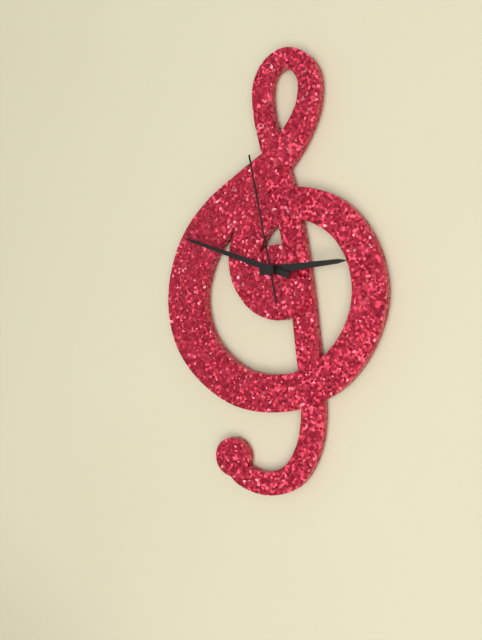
2:48:58
